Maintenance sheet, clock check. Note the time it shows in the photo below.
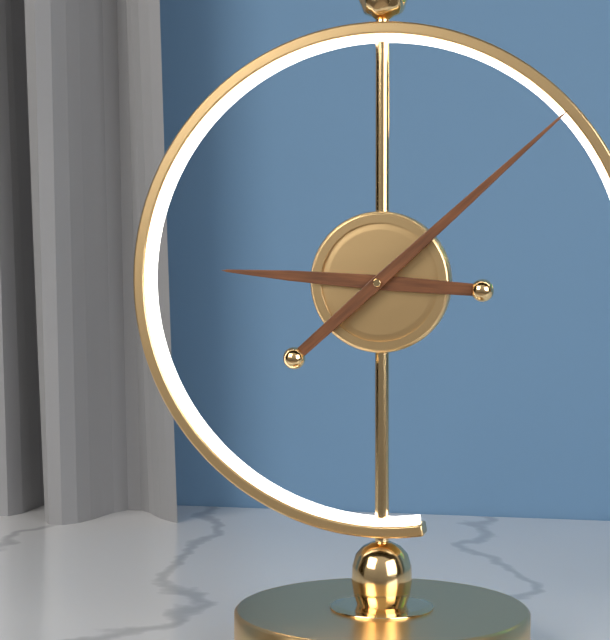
9:08
